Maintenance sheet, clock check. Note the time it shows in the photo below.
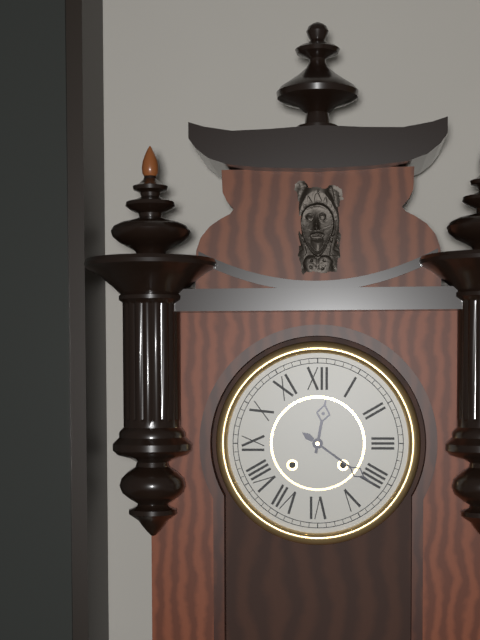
12:21
